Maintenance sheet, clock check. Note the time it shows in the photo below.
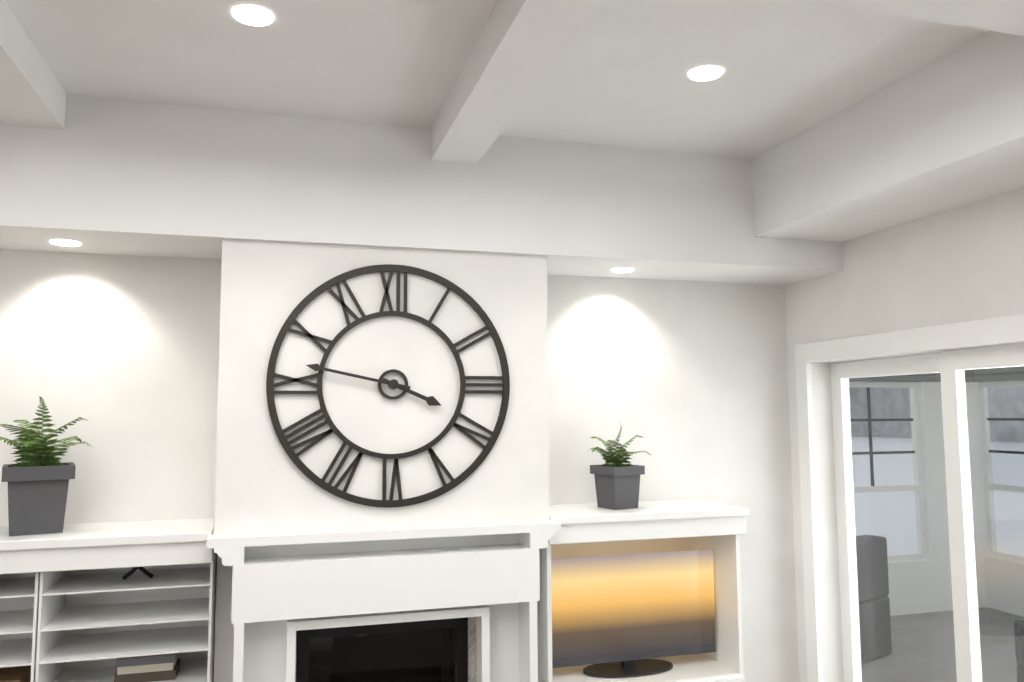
3:47
